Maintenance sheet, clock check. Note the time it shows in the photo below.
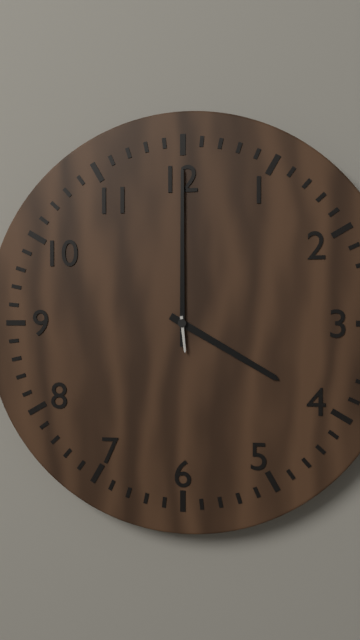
4:00
